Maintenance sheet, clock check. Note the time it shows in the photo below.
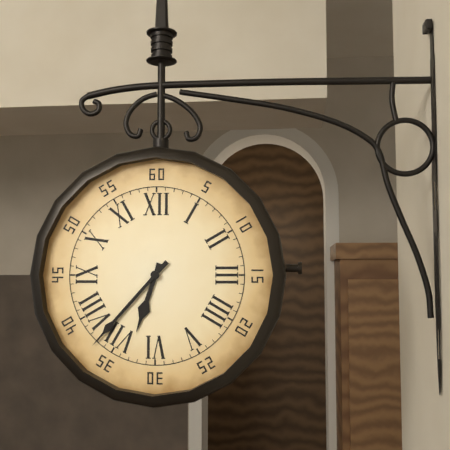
6:37
